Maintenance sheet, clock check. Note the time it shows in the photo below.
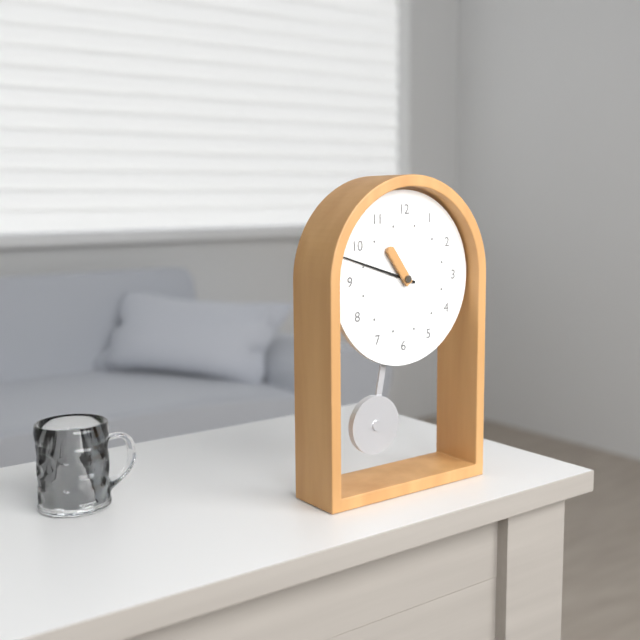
10:48
